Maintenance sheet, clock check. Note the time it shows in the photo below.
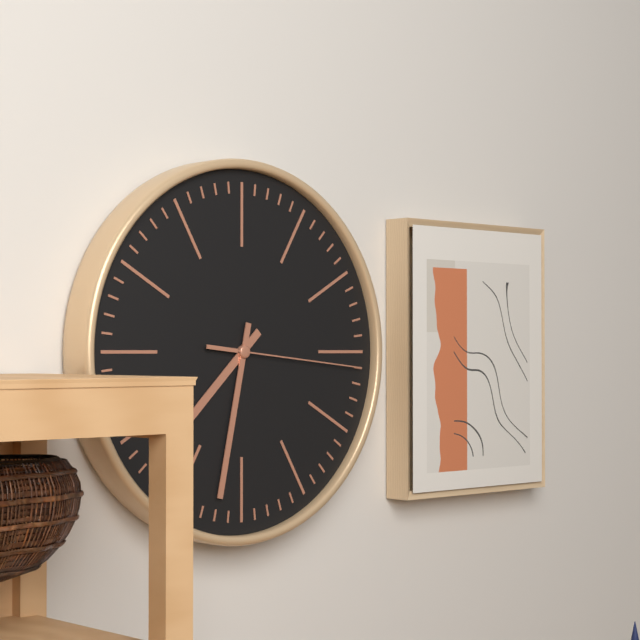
7:32:16
